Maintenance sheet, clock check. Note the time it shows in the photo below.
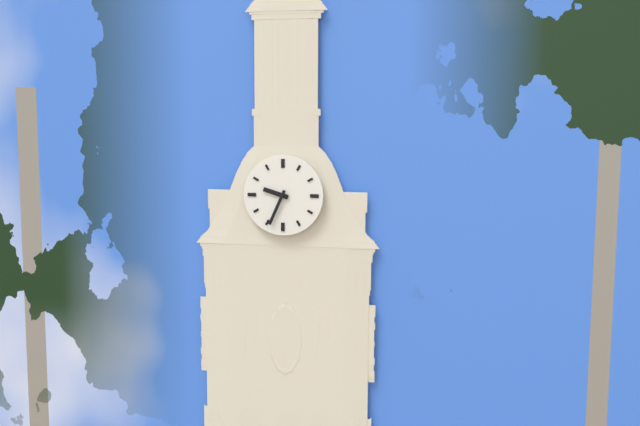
9:34
